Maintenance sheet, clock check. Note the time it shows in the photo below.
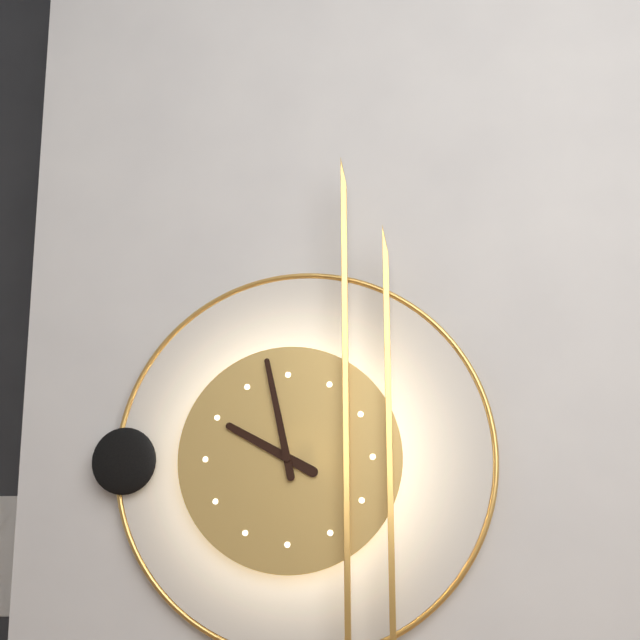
9:58
